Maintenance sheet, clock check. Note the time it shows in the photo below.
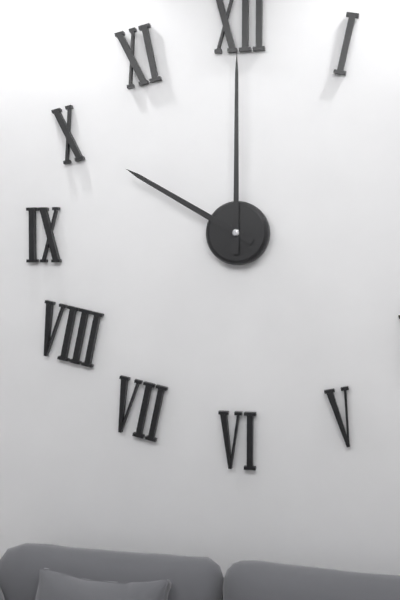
10:00
